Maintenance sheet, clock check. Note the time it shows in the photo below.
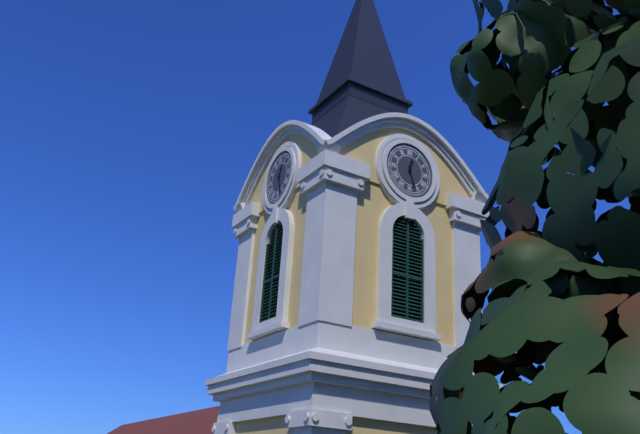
12:27
